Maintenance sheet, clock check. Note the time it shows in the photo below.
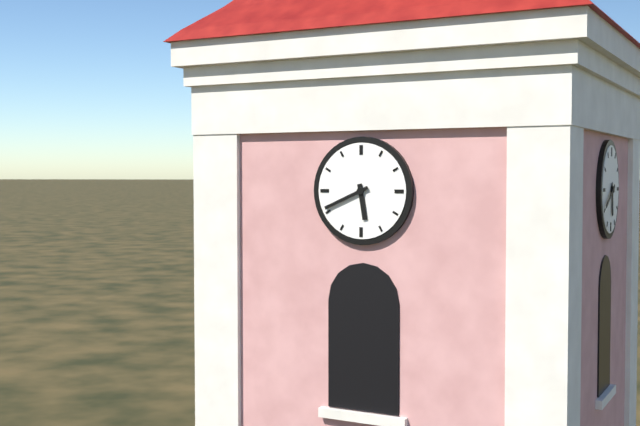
5:41
